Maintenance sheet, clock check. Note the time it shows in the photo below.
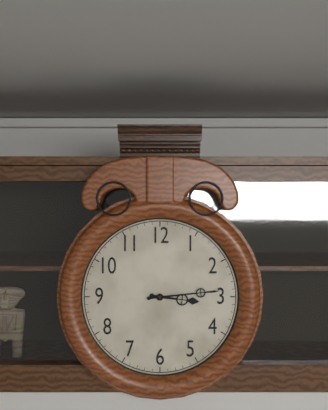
3:14
